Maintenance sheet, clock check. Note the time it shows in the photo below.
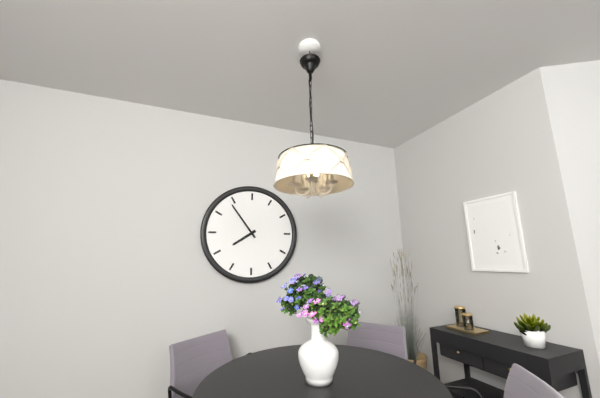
7:54
